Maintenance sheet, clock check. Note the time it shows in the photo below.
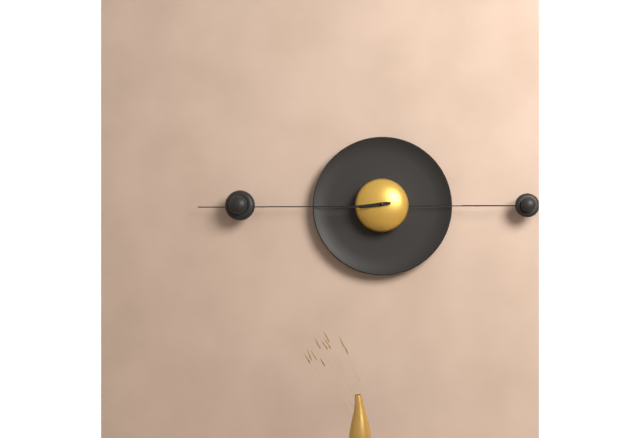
8:44
